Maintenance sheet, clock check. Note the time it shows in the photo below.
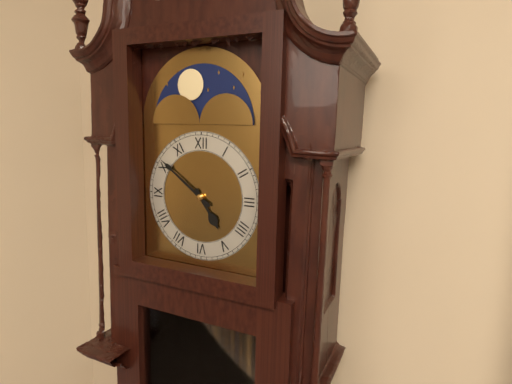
4:51
